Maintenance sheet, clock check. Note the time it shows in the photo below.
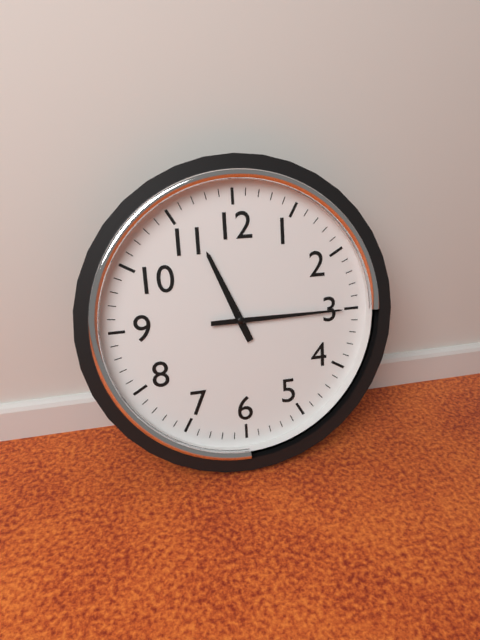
11:15
